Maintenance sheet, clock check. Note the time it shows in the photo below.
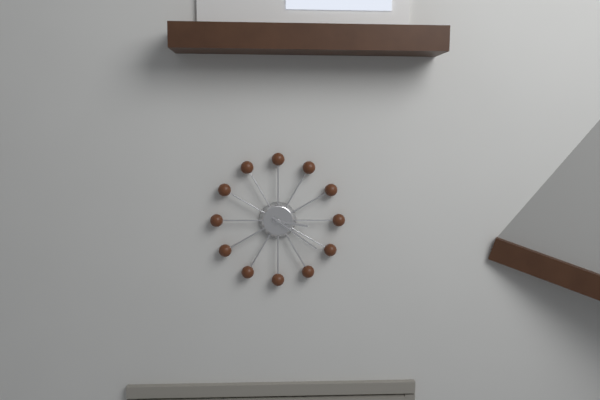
3:21
